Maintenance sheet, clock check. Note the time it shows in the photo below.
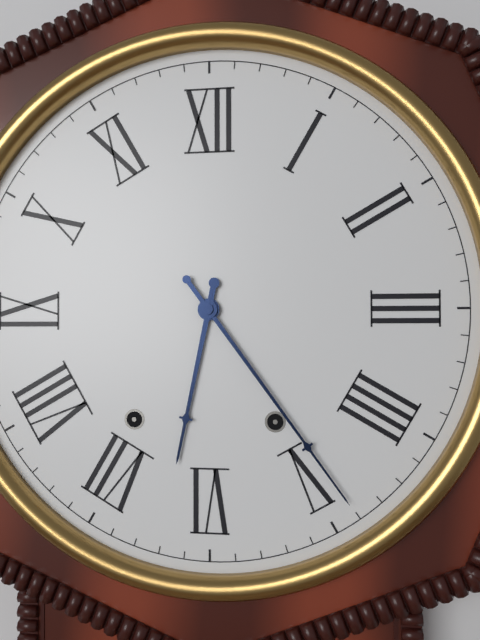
6:24
